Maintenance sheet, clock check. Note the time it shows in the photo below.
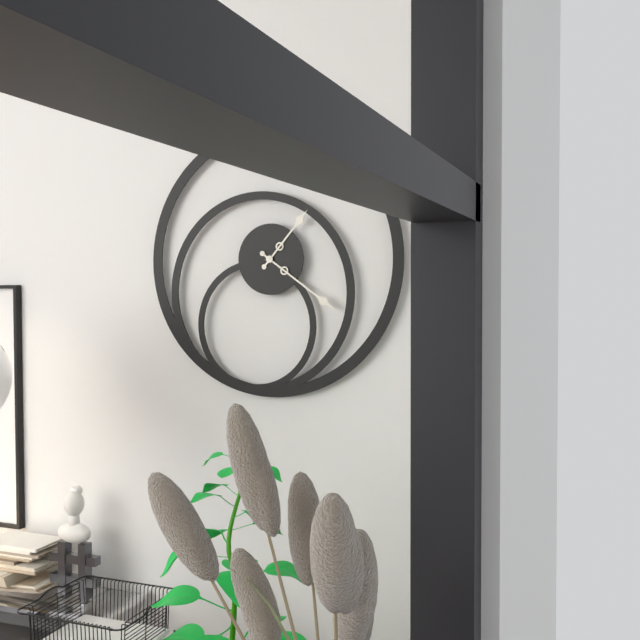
1:21
